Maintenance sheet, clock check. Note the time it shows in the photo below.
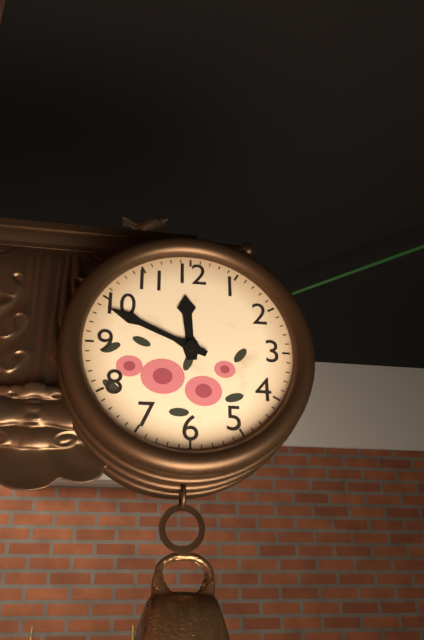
11:49
